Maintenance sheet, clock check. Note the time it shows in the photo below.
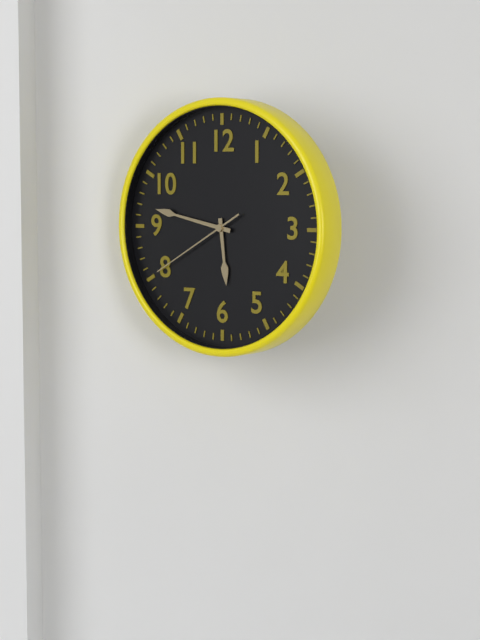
5:47:40
